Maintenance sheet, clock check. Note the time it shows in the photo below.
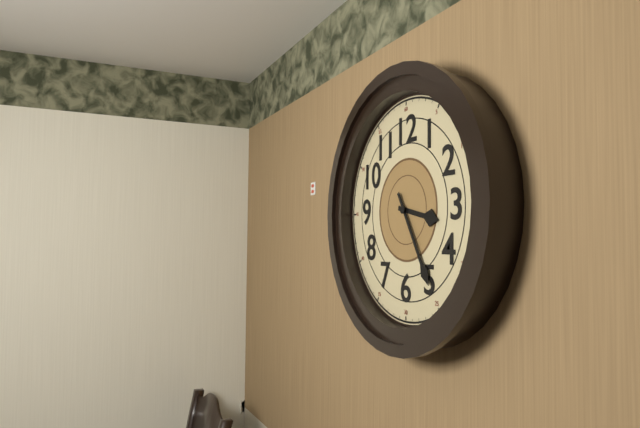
3:25
